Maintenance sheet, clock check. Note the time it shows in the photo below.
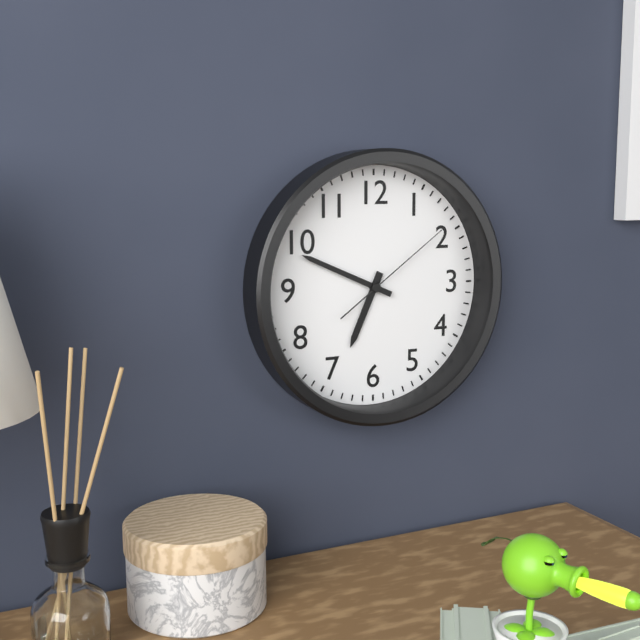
6:49:09
